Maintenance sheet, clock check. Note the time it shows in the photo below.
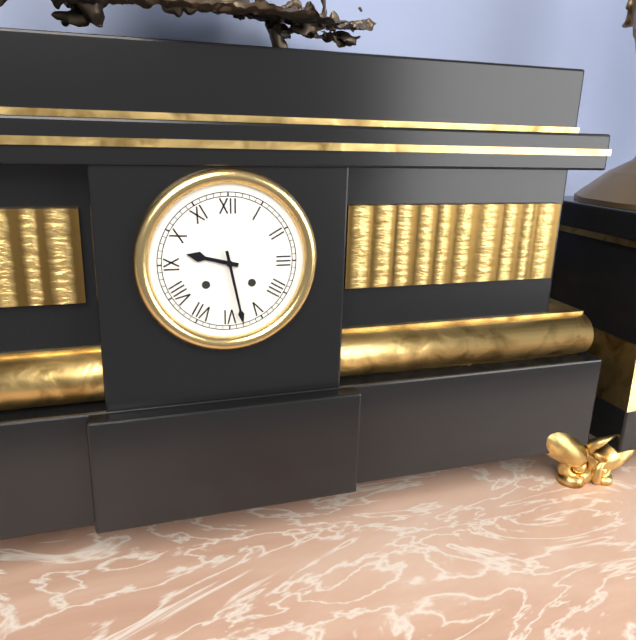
9:28
